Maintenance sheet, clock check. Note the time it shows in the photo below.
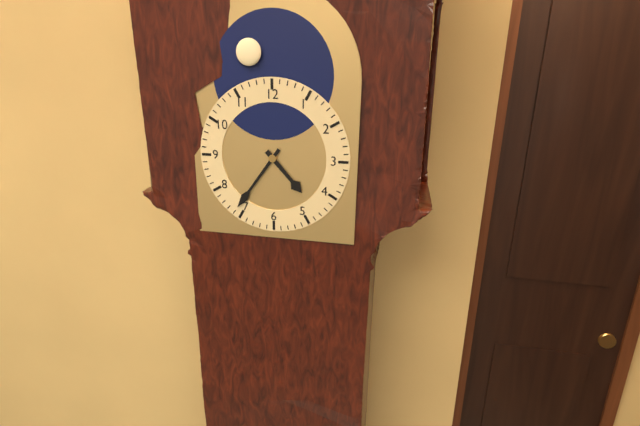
4:36
